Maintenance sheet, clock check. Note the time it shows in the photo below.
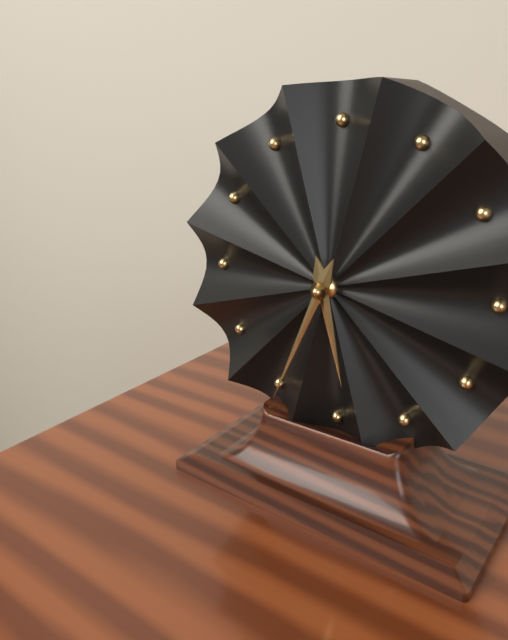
5:34
